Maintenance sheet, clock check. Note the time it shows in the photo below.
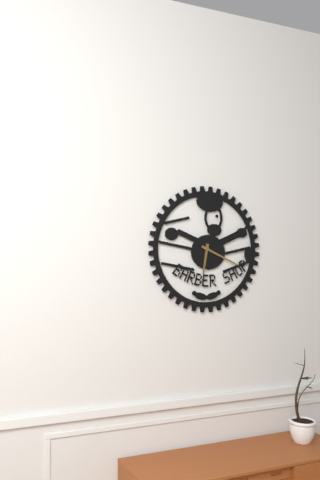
6:19
